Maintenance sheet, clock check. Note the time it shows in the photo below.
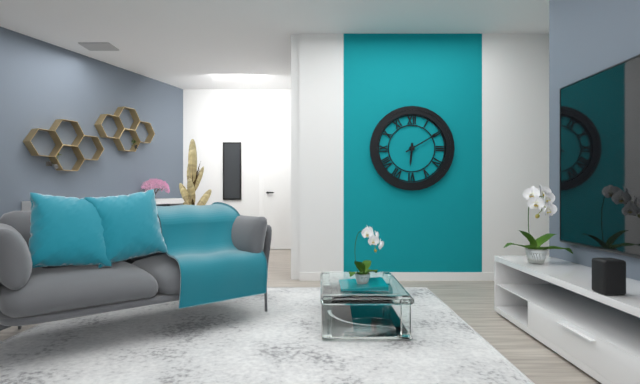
6:10
